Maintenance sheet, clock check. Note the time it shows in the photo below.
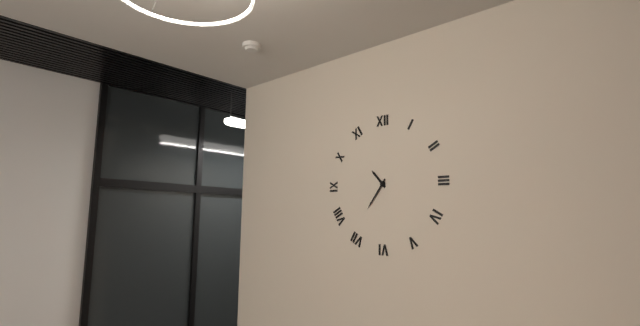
10:36
